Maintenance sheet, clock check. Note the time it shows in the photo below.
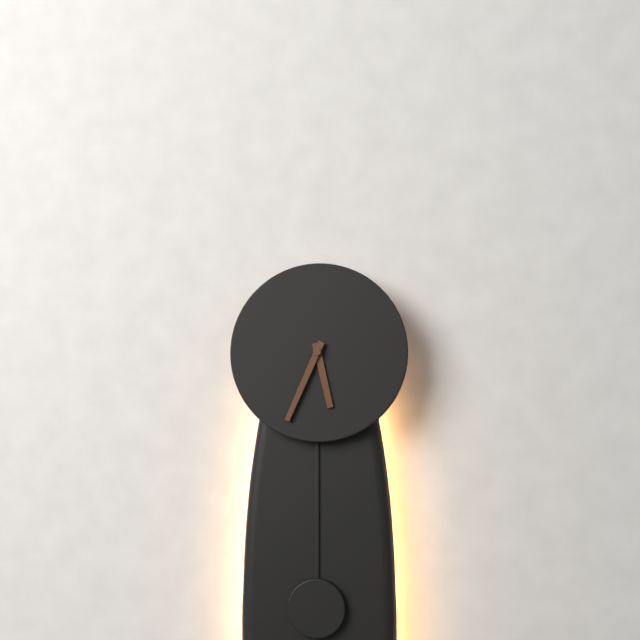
5:34
